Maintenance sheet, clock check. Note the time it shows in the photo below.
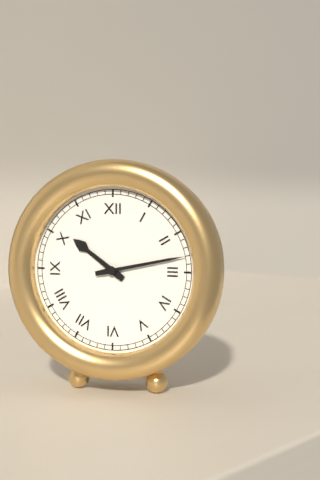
10:13
